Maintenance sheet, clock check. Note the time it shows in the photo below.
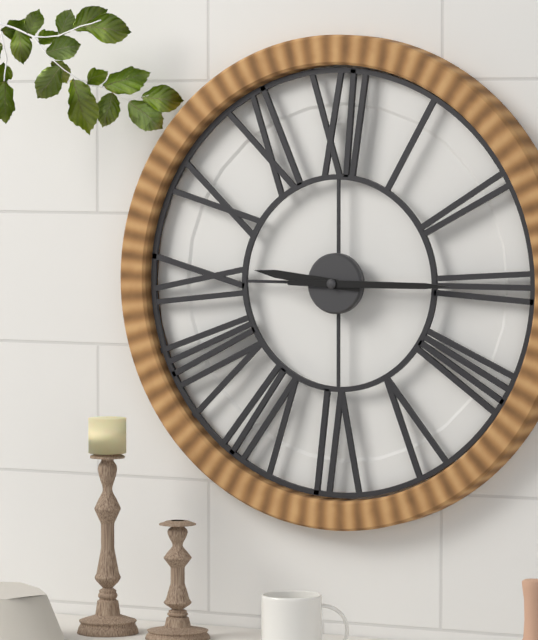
9:15
